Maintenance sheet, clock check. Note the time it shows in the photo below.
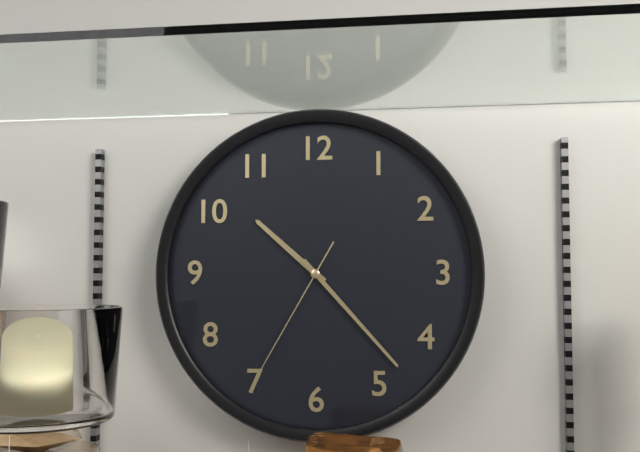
10:23:35
